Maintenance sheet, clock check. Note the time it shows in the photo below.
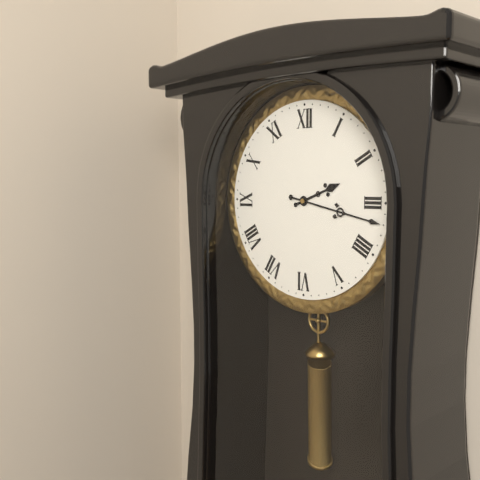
2:17
